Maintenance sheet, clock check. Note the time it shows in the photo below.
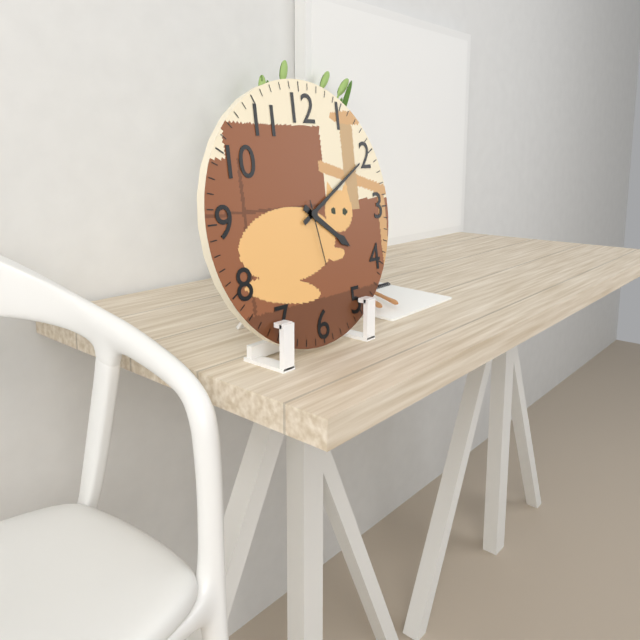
4:10:28
